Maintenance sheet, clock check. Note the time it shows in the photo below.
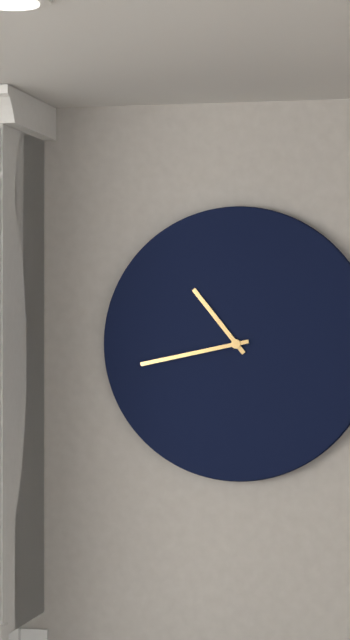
10:43
